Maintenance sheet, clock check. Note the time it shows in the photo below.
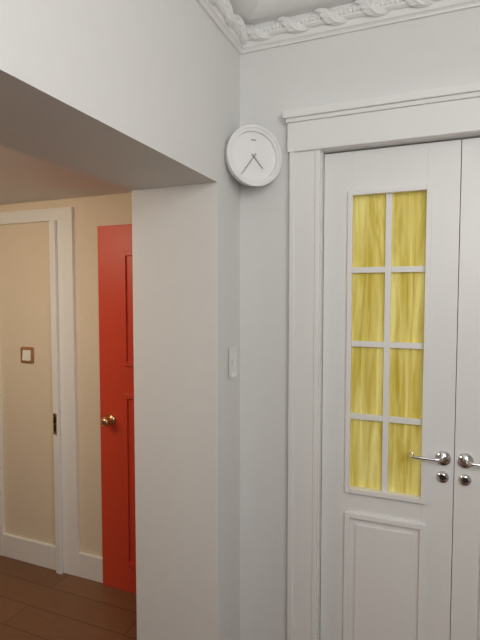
4:36
